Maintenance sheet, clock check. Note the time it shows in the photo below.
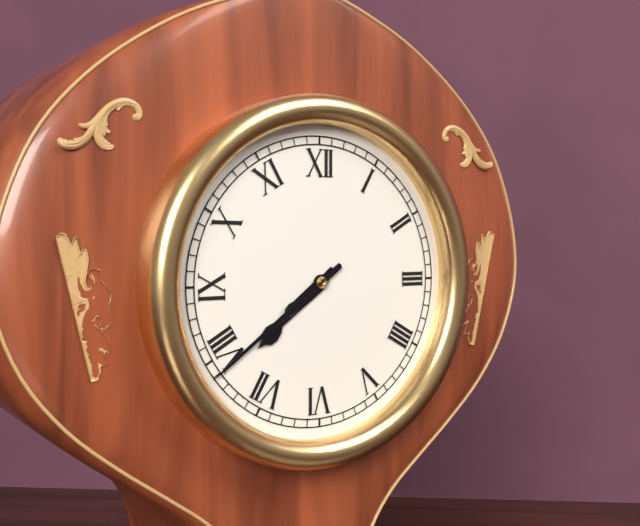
7:39
